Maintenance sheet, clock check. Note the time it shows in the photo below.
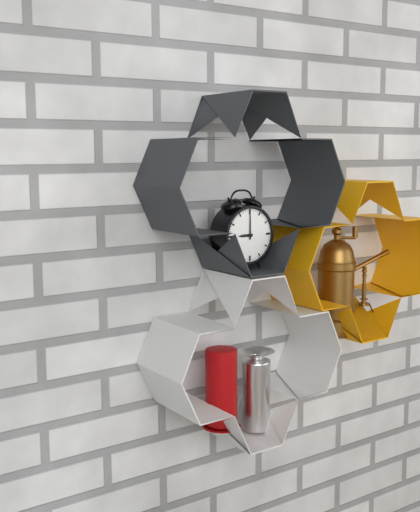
9:00
